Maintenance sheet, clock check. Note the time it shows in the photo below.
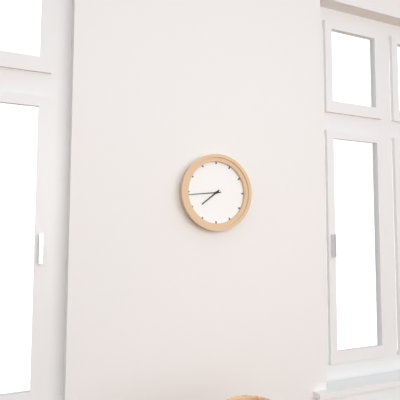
7:44
